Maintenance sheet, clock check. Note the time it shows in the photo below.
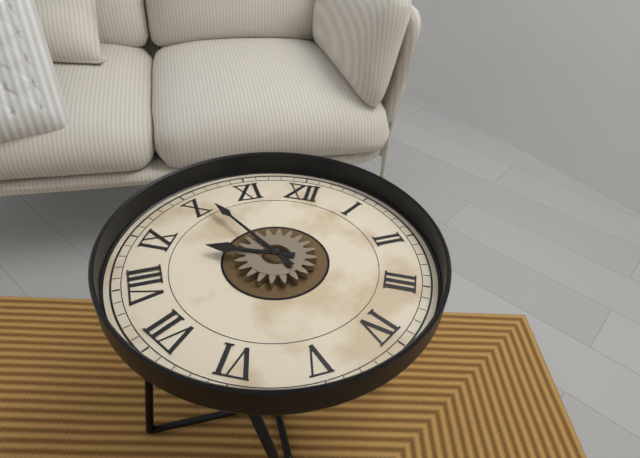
8:51
